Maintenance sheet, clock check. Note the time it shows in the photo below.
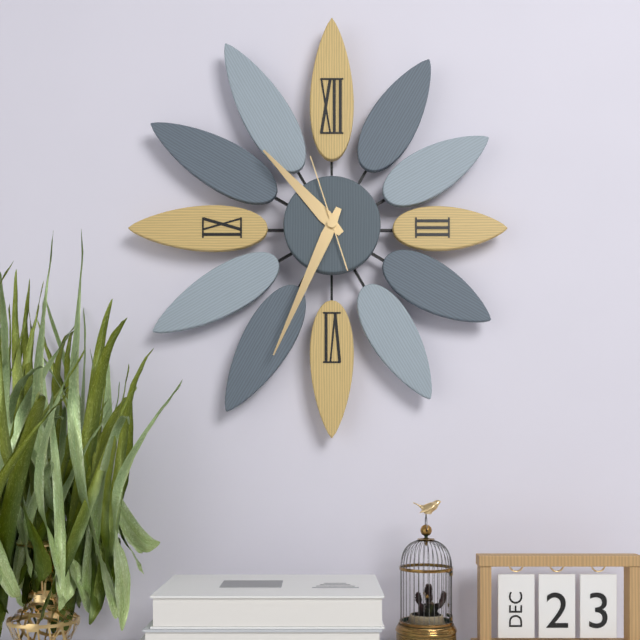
10:34:57
